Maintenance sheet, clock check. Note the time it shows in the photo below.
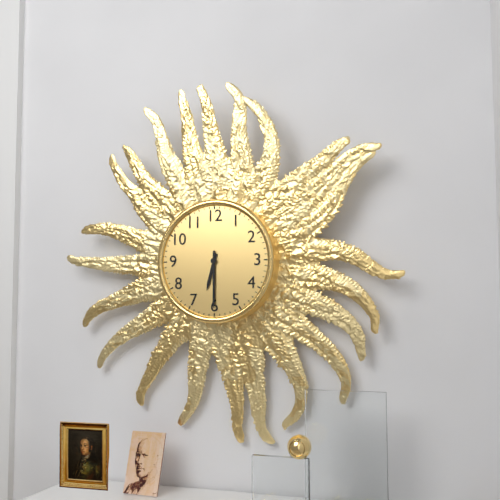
6:30
